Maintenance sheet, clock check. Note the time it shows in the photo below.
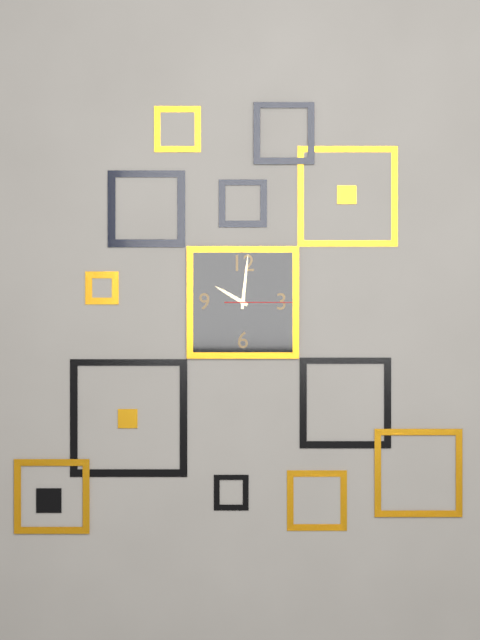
10:01:15
